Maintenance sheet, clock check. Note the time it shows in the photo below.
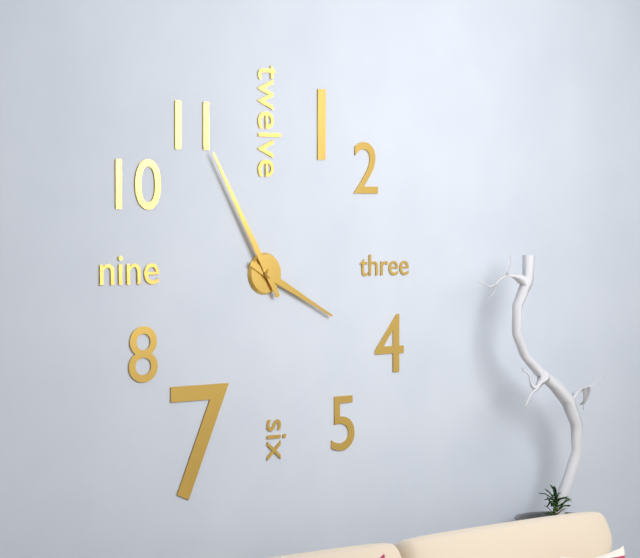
3:55
